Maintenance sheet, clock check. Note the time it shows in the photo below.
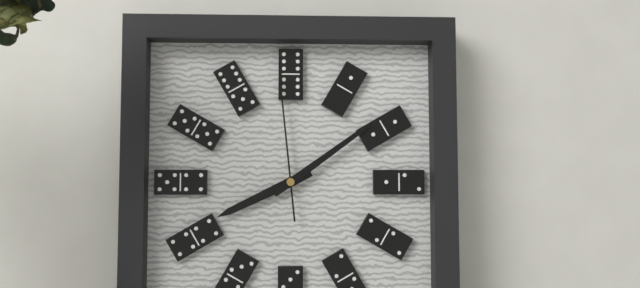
8:09:59
